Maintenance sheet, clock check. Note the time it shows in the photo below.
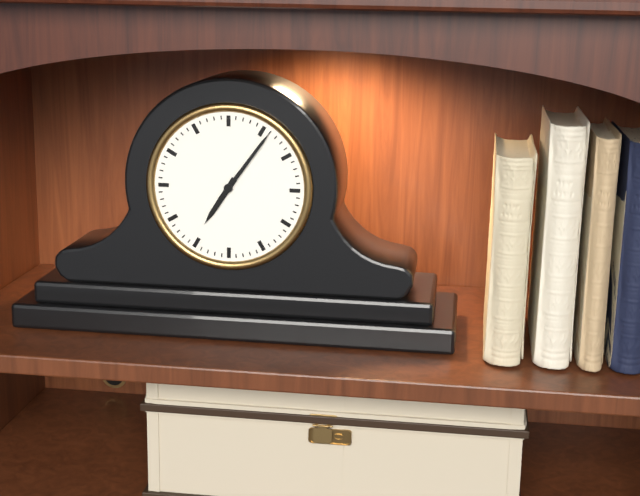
7:06
